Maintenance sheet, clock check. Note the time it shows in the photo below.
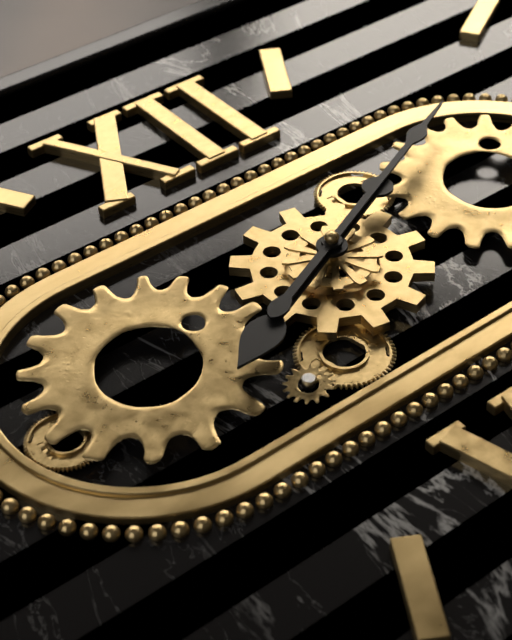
8:11
